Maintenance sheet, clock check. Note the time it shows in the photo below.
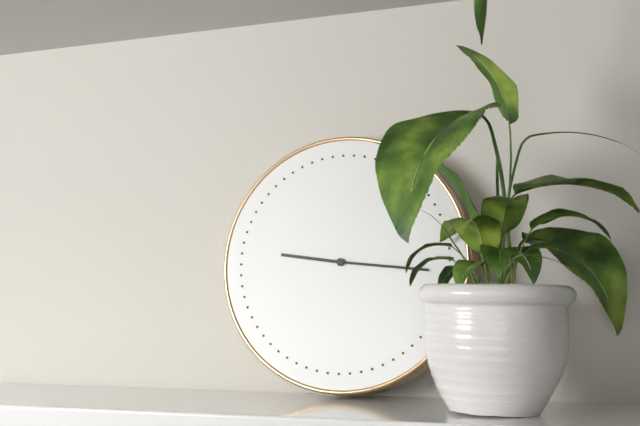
9:16
